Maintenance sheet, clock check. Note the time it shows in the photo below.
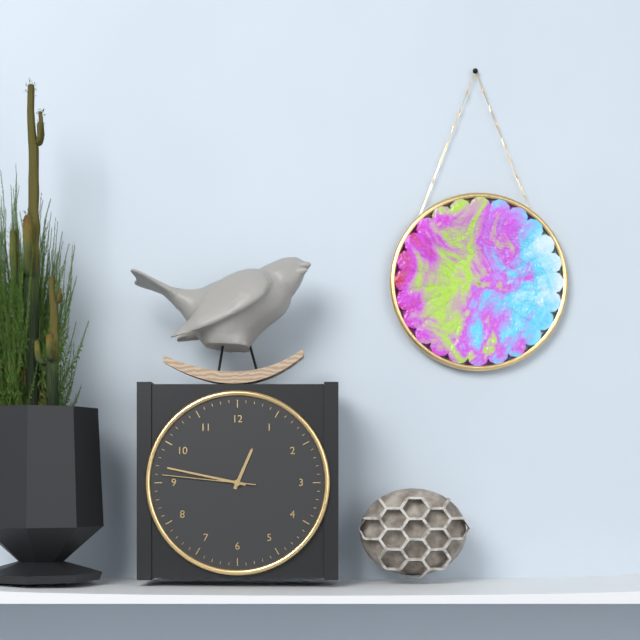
12:47:46
